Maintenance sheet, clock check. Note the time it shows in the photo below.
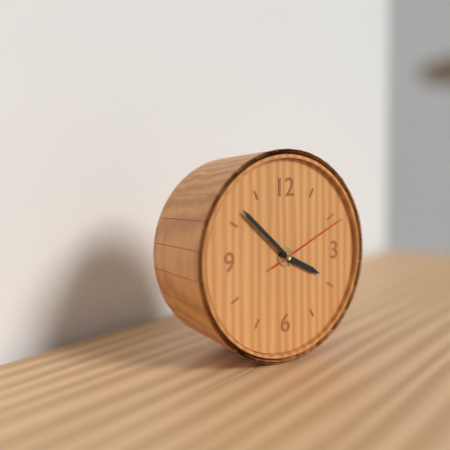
3:52:11
